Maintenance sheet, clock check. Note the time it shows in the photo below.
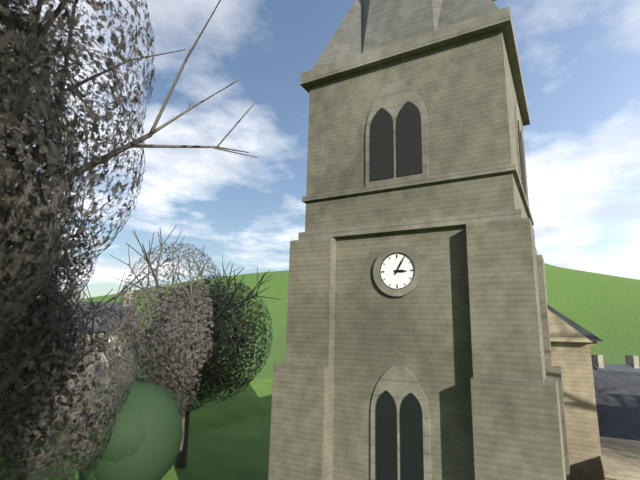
3:05
